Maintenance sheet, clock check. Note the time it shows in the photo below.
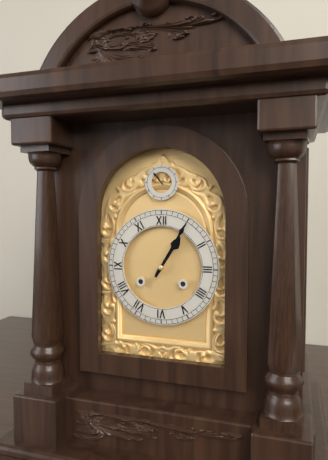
1:05
